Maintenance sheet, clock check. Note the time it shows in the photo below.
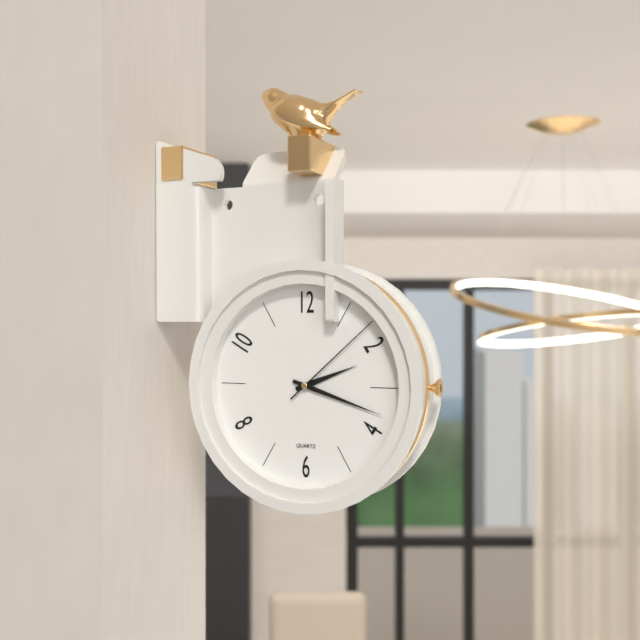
2:18:08
